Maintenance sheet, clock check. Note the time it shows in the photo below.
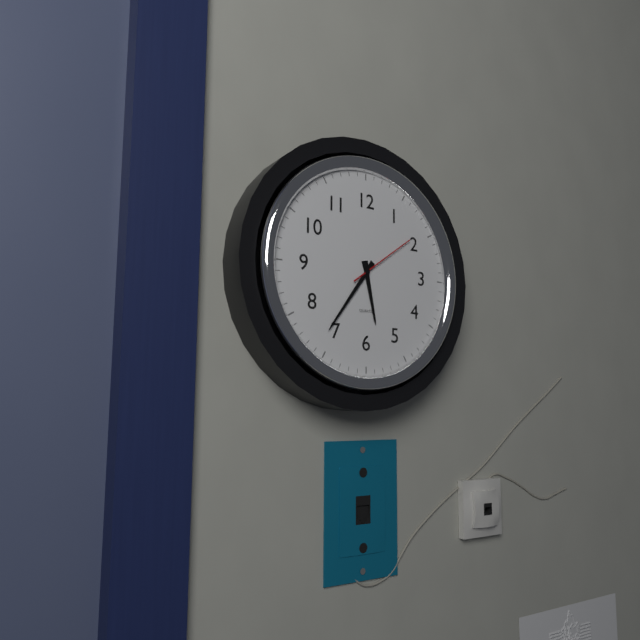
5:36:09
